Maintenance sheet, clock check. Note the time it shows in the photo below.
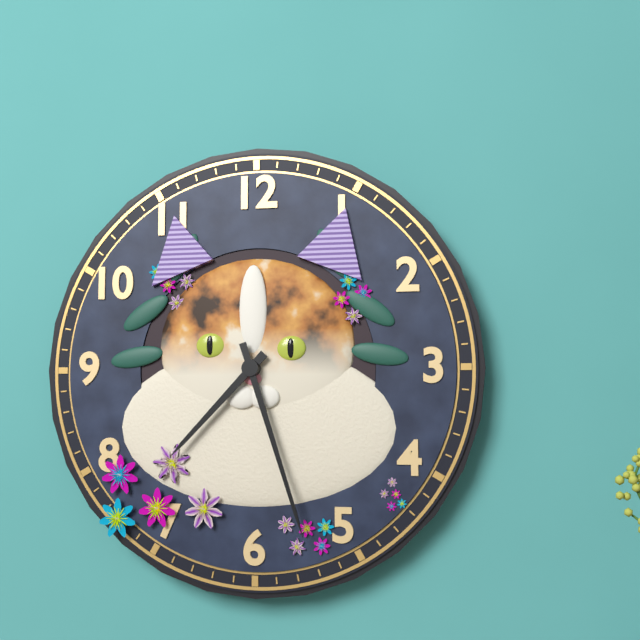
7:27
